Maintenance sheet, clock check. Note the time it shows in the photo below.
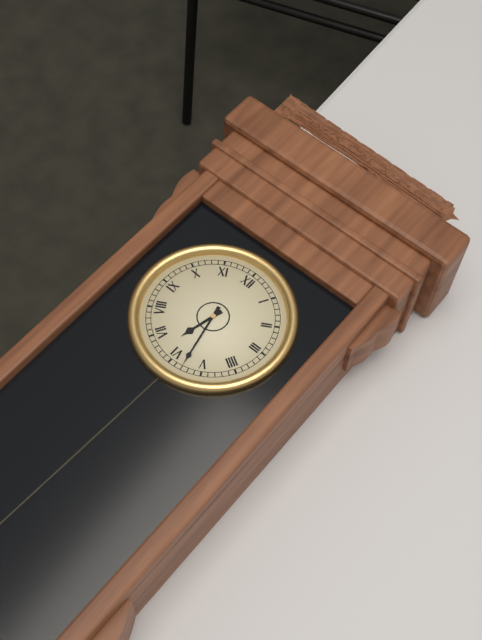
6:28
